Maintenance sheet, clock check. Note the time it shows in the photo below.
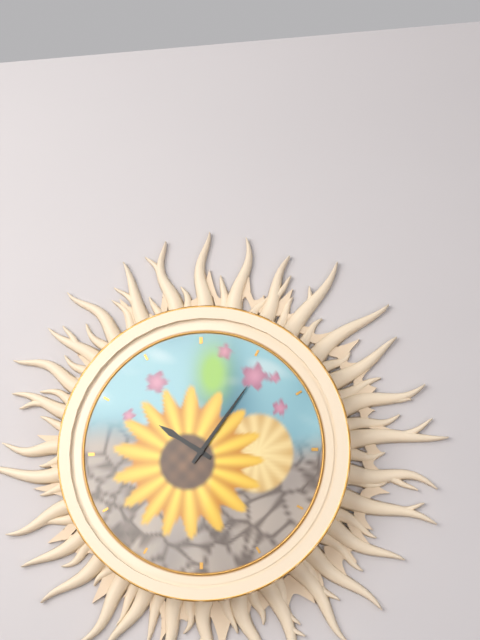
10:06
